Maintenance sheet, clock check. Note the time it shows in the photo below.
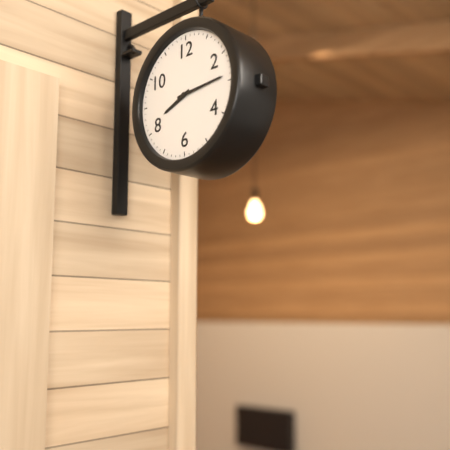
8:14
